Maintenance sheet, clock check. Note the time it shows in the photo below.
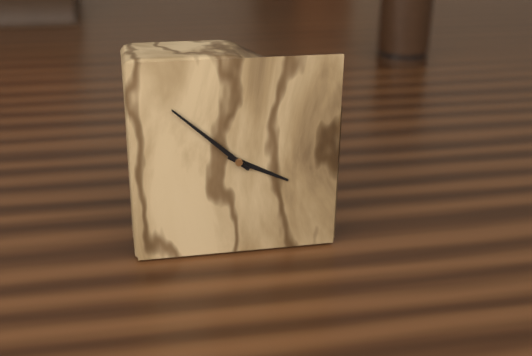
3:52
